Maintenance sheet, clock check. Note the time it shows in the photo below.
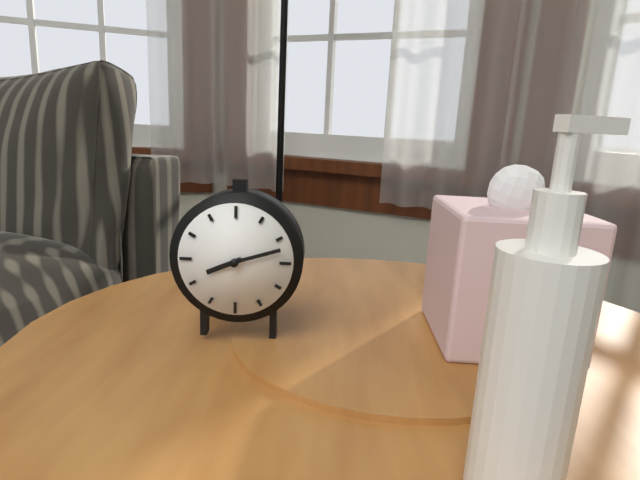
8:12
